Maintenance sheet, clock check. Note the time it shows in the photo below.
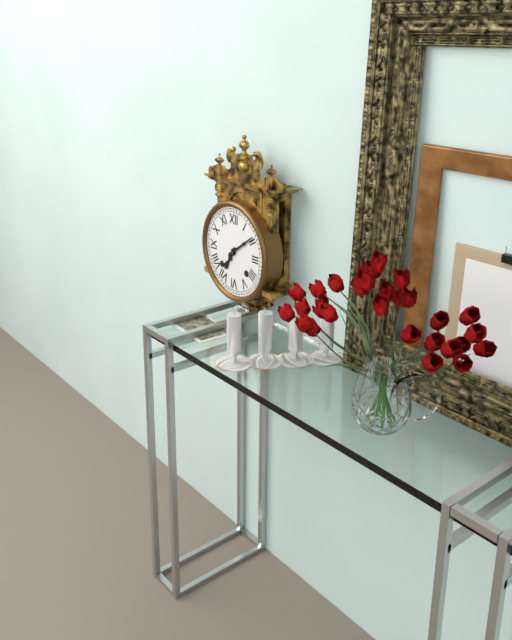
7:09
